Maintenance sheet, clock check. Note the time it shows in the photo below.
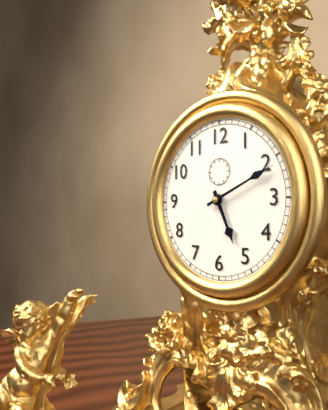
5:11
